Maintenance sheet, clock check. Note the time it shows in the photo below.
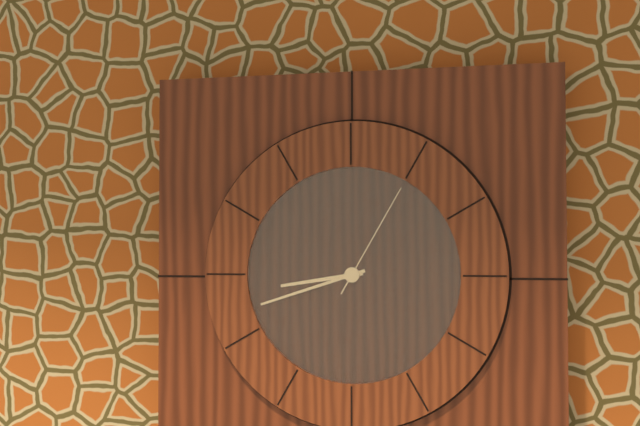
8:42:05
